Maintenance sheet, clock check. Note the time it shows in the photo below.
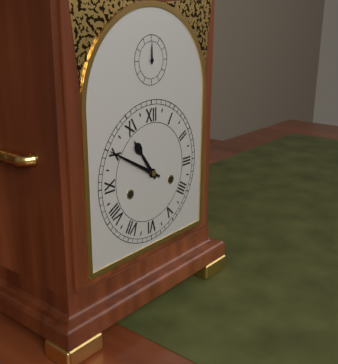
10:50
